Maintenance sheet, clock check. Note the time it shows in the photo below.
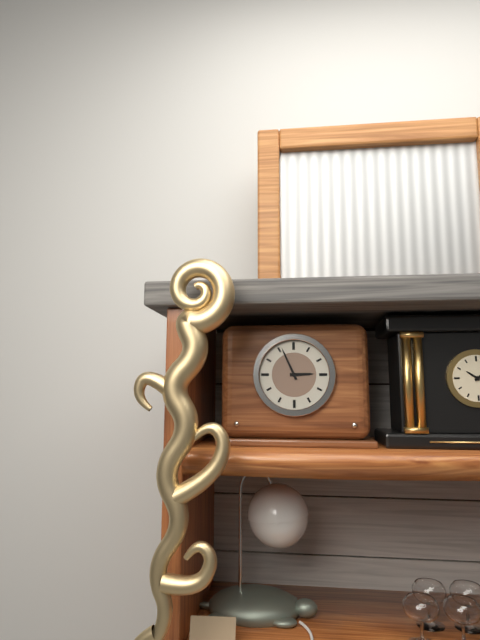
2:56
